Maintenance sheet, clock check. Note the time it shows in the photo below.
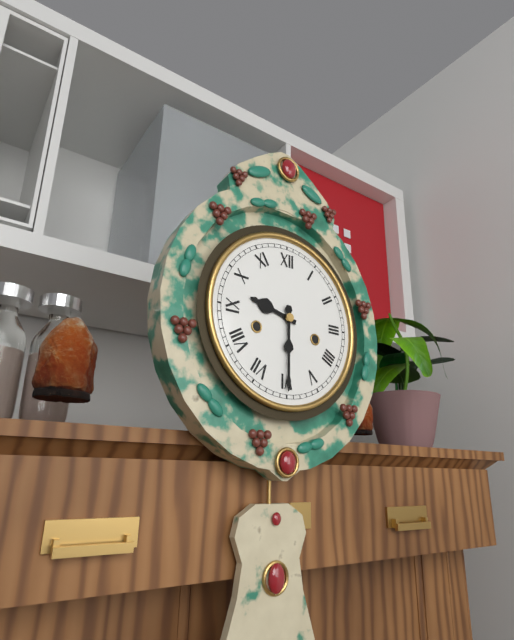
9:30
